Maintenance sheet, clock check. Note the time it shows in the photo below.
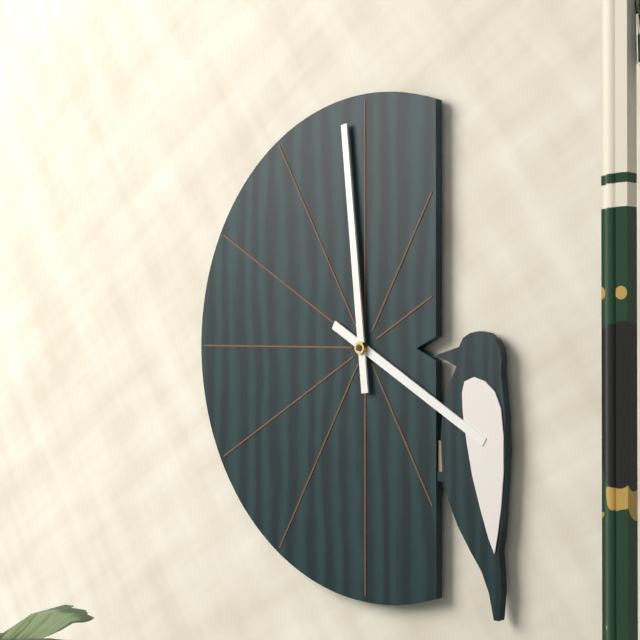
3:59
